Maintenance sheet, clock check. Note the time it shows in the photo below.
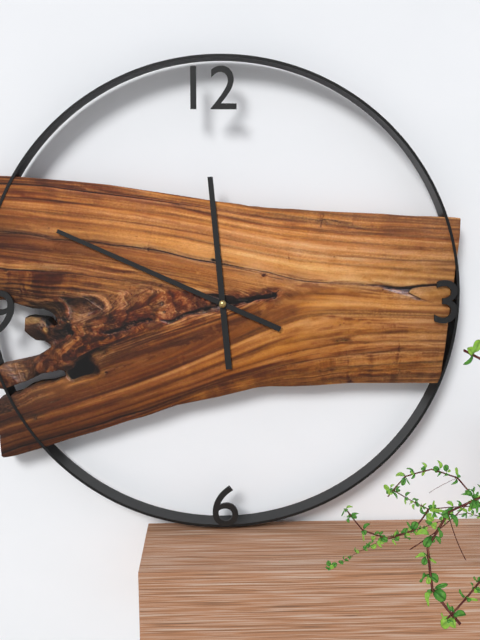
11:49
